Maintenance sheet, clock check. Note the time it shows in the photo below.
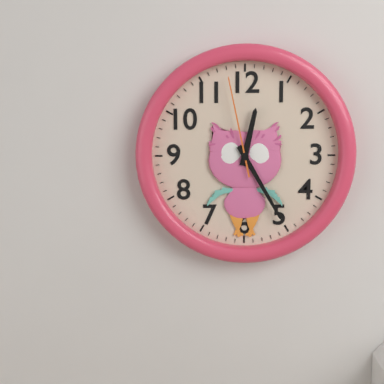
12:25:58
